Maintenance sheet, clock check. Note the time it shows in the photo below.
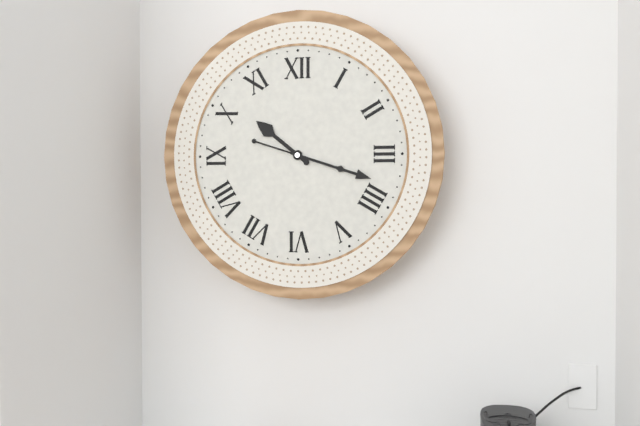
10:18
